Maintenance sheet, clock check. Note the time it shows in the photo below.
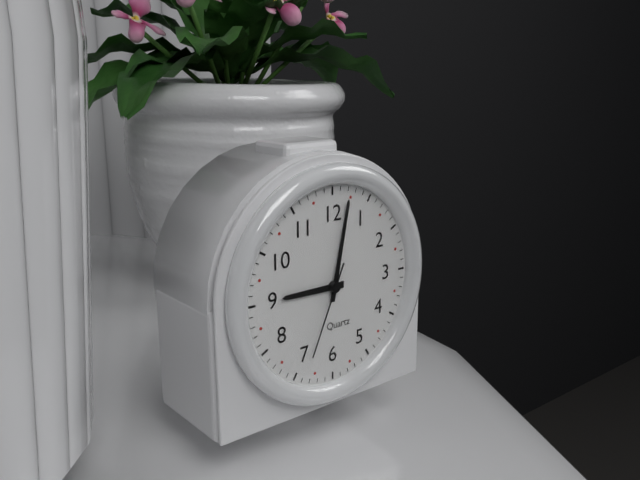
9:02:34
